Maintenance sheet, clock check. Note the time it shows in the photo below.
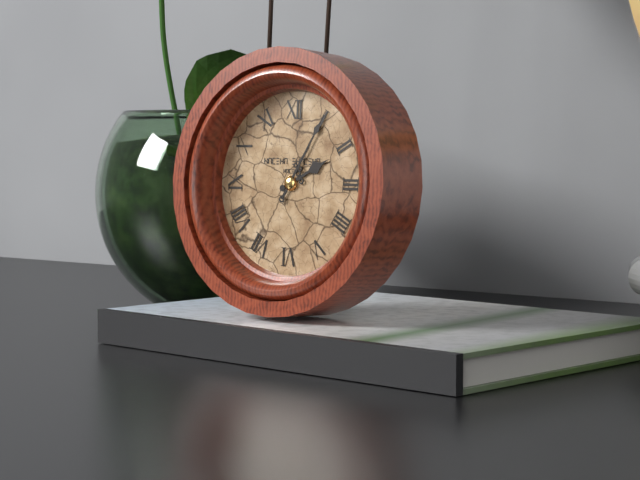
2:05
